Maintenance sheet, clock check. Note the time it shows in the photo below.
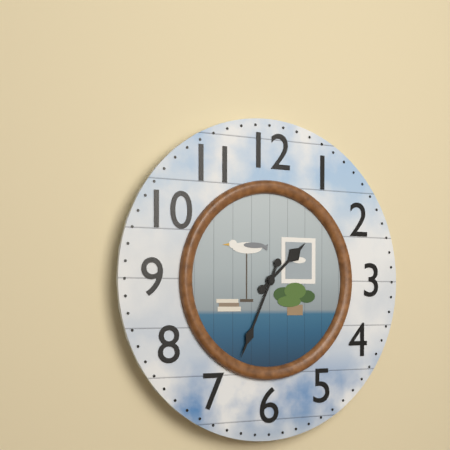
1:34
